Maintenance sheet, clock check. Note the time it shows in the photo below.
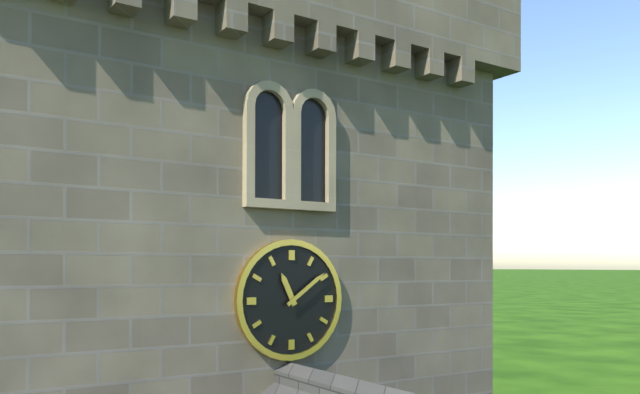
11:09
